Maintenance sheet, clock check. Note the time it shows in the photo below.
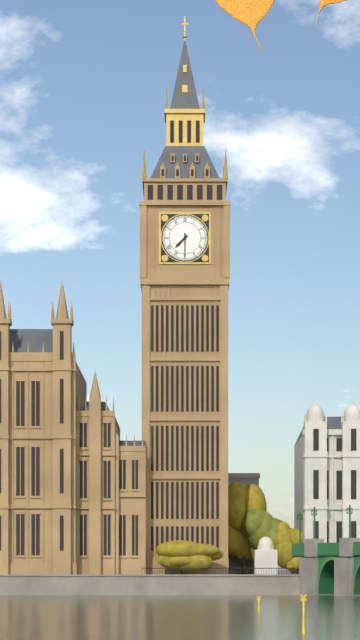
7:30
